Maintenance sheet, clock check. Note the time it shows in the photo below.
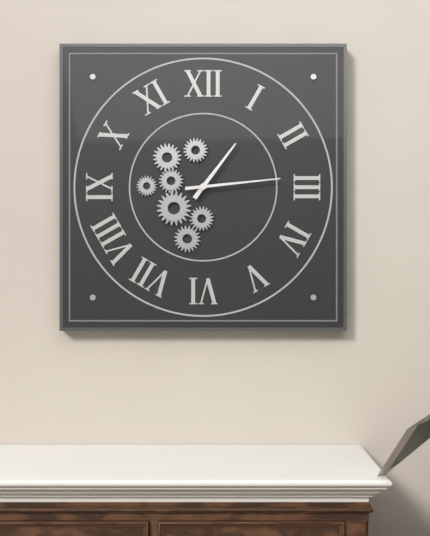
1:14
